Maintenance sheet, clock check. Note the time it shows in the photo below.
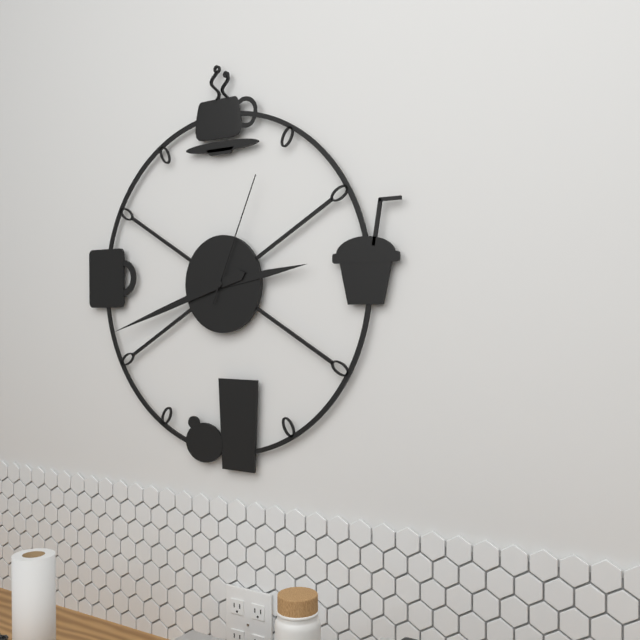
2:42:04
